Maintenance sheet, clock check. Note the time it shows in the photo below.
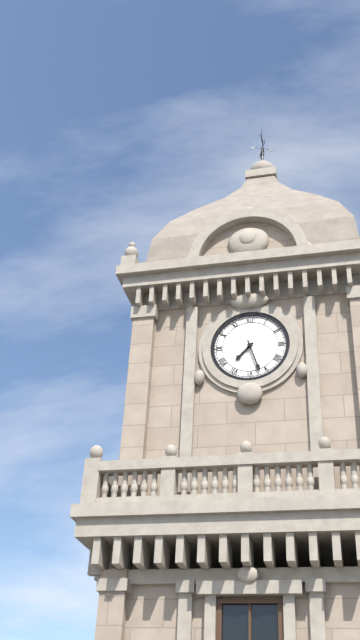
7:27
